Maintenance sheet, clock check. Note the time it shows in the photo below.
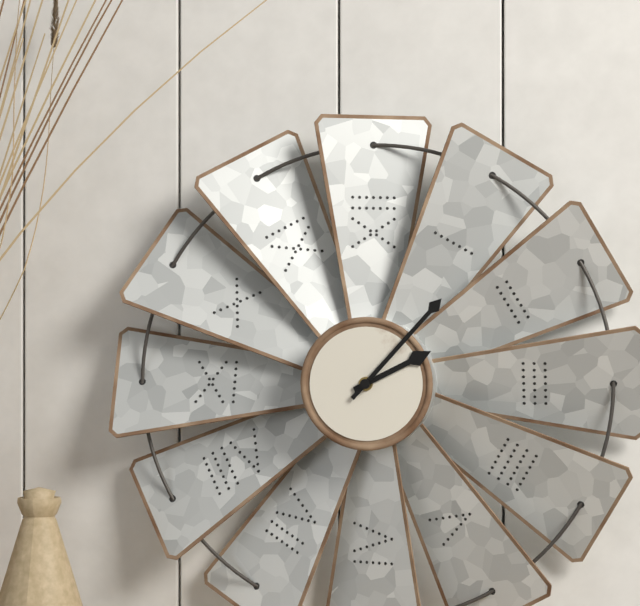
2:07
